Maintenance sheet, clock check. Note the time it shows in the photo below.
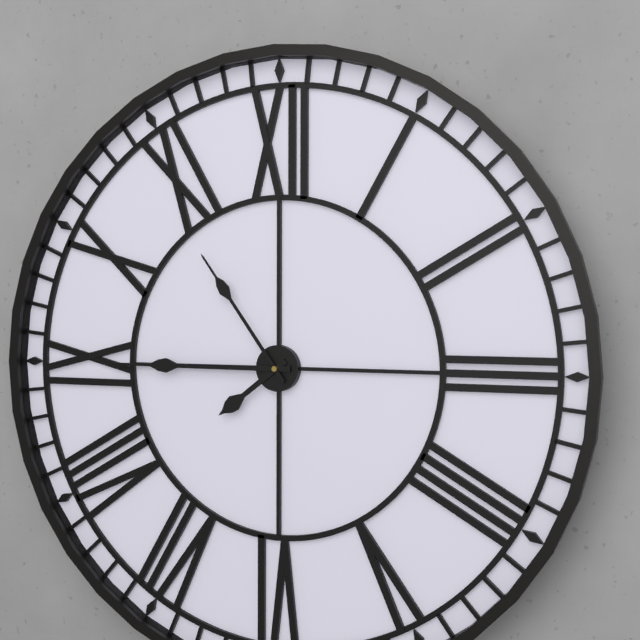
7:45:54
